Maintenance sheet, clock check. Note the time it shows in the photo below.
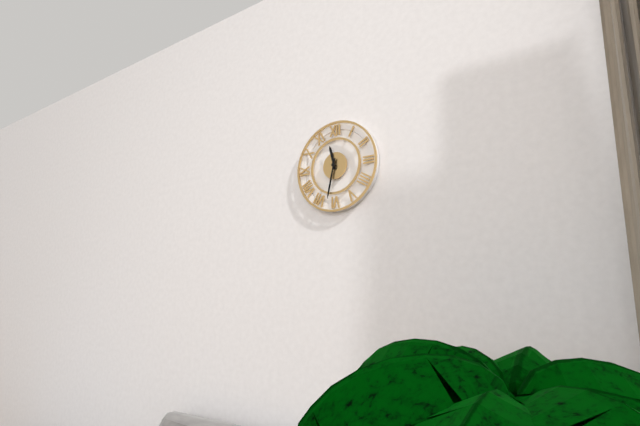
11:32
